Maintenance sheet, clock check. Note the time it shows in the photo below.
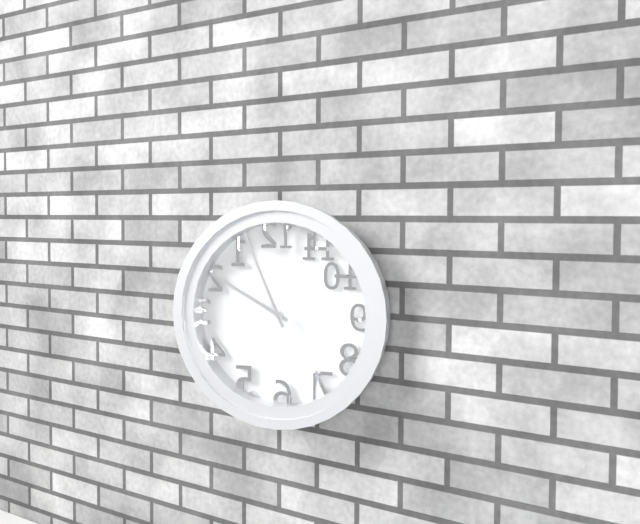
9:56
